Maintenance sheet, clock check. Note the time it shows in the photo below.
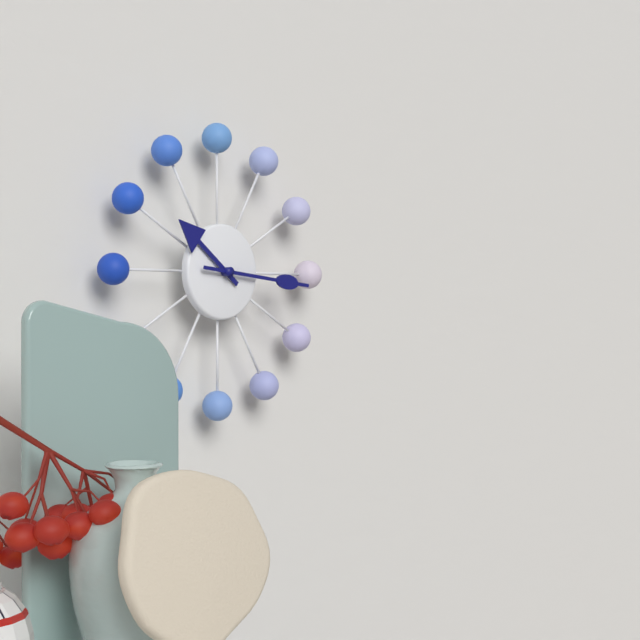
10:16
